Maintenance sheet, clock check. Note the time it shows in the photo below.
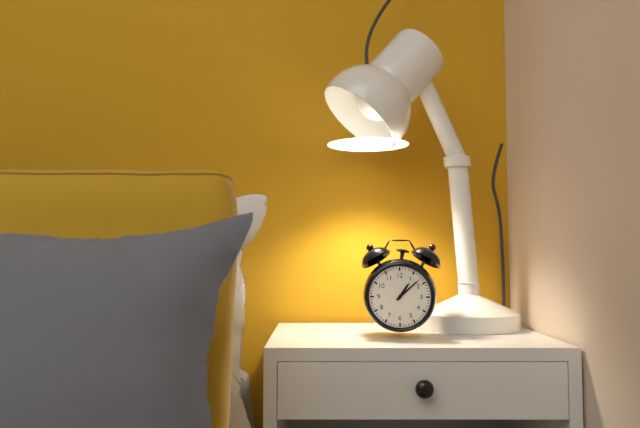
1:08
